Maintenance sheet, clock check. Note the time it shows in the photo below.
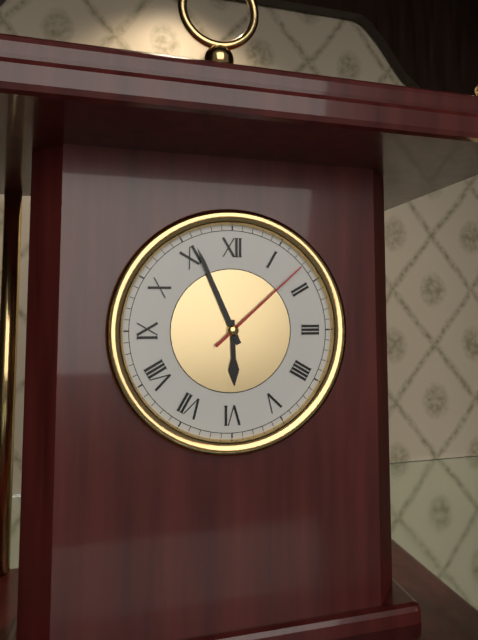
5:56:08
